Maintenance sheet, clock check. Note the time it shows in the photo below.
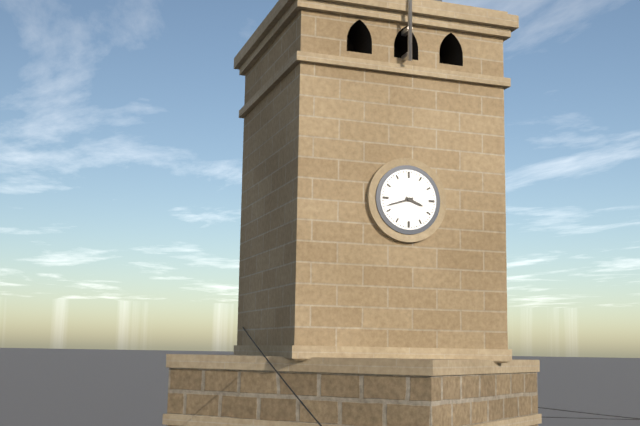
3:42
